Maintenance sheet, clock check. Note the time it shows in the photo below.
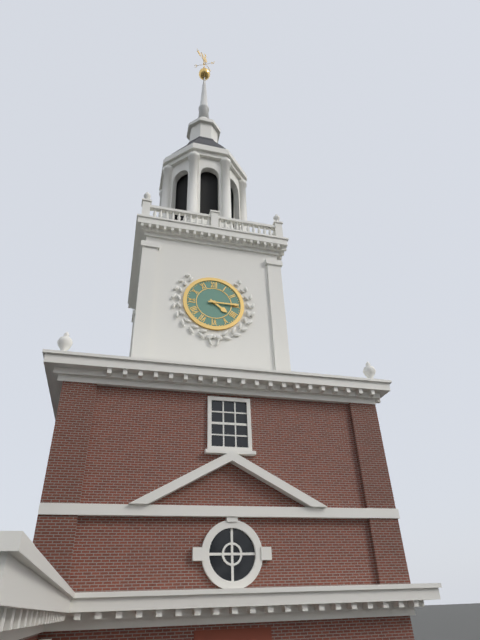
4:15
